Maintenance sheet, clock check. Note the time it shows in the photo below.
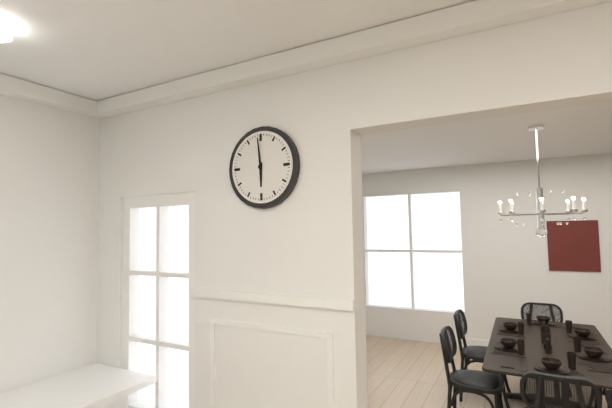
5:59
